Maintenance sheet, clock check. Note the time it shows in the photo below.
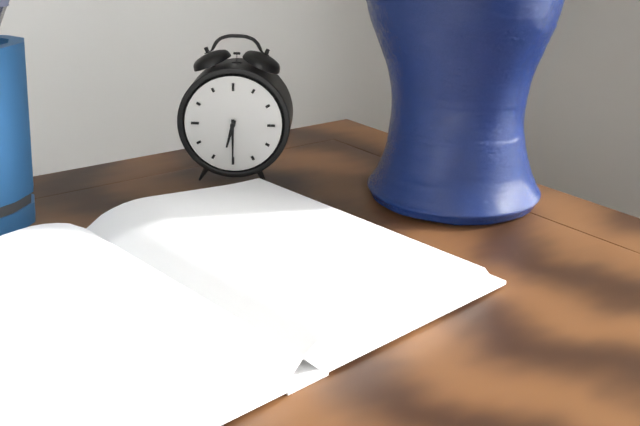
6:30
